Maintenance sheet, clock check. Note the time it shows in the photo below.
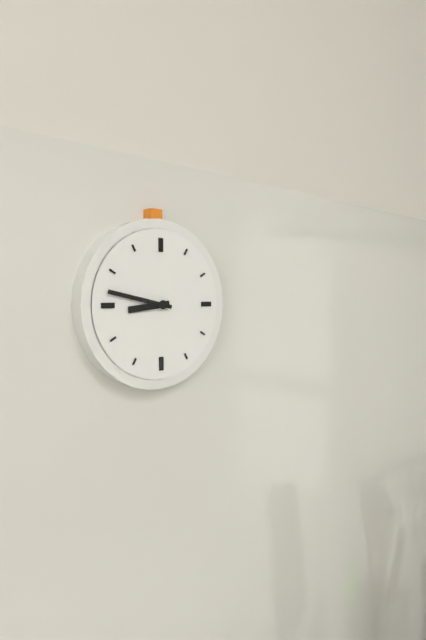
8:47
